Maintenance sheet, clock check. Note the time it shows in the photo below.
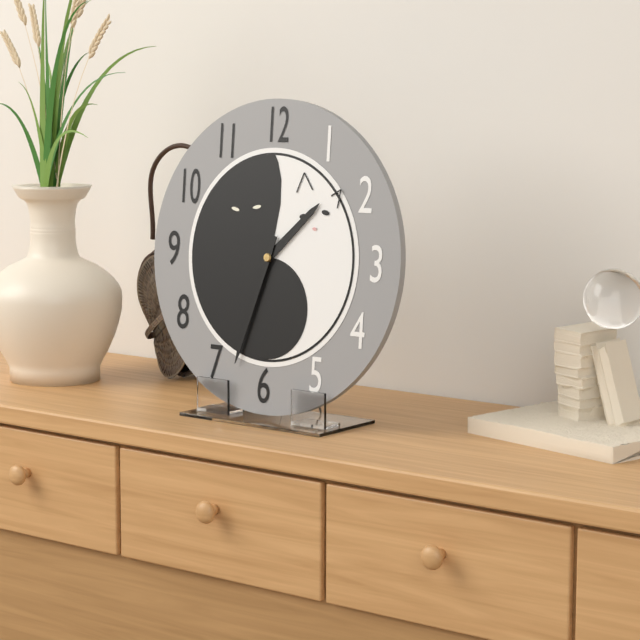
1:33
